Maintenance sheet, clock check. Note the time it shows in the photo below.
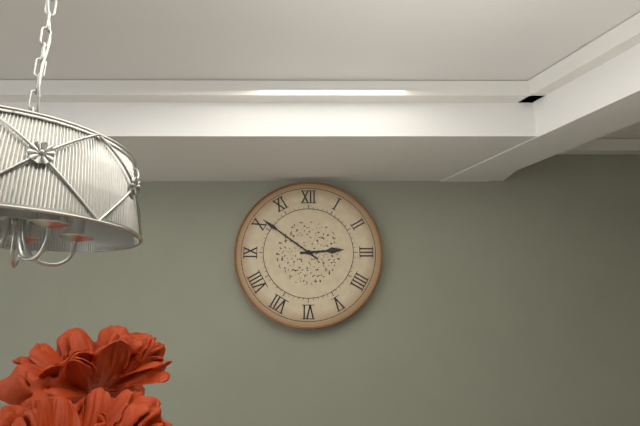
2:51
